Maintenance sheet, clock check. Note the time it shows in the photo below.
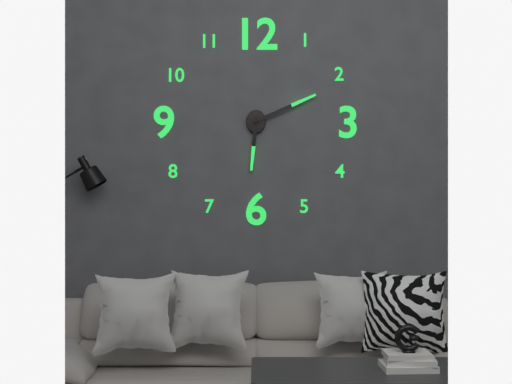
6:11
